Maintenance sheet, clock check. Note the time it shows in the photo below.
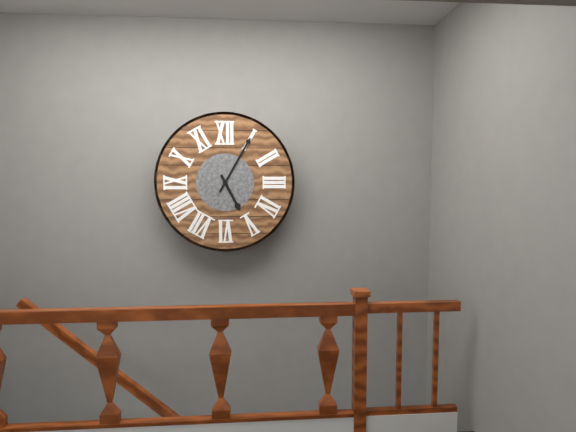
5:05
